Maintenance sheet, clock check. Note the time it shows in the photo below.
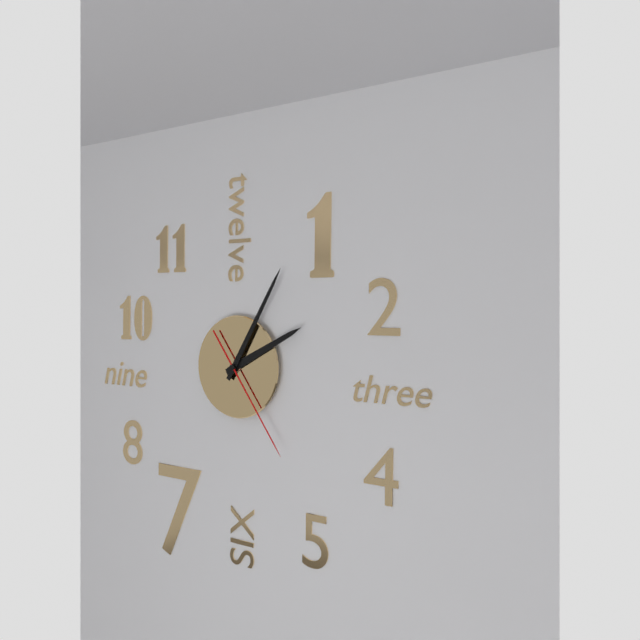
2:05:24
